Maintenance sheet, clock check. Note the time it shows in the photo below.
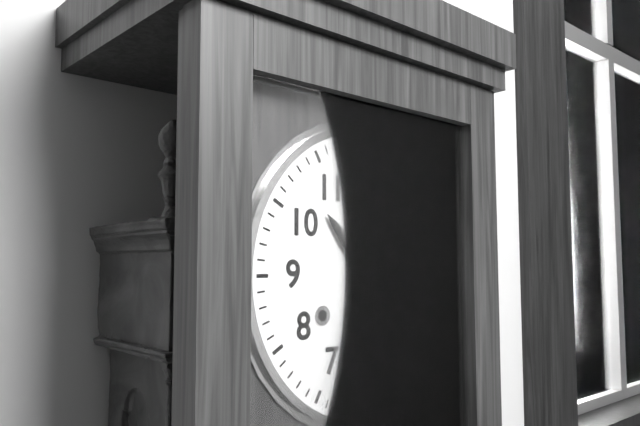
10:32
